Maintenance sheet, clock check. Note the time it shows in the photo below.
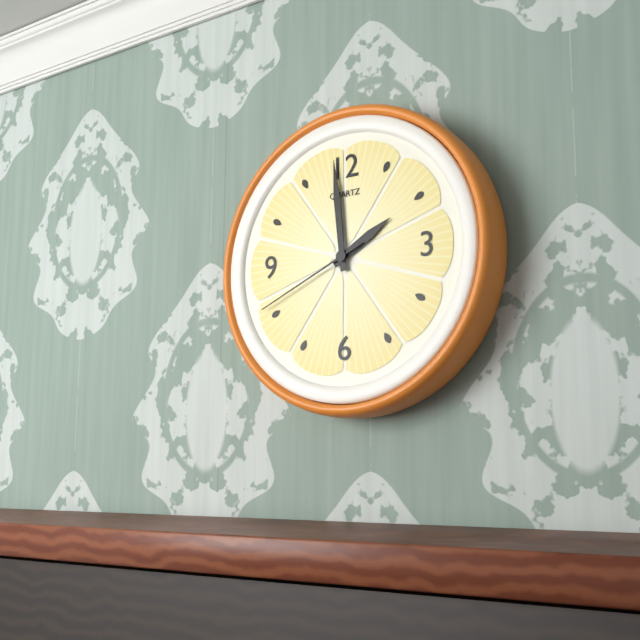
1:59:41
